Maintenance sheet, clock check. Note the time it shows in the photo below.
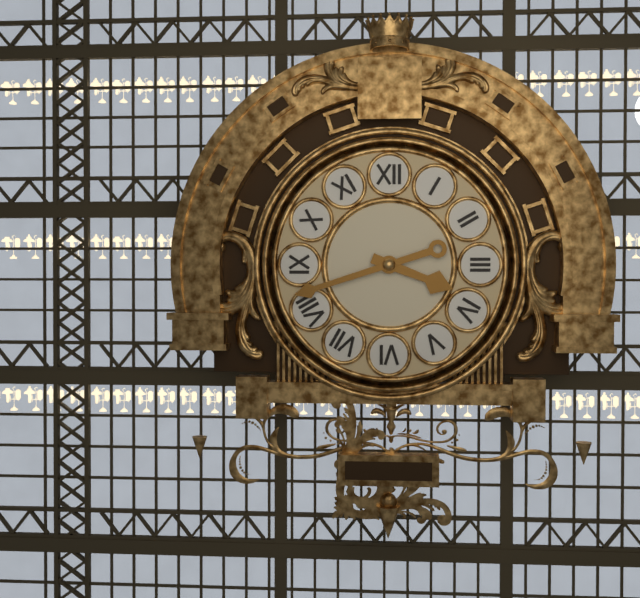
3:42
